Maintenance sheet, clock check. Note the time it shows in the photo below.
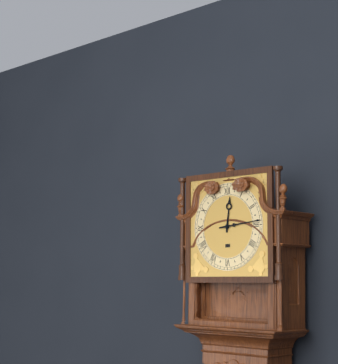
12:14
